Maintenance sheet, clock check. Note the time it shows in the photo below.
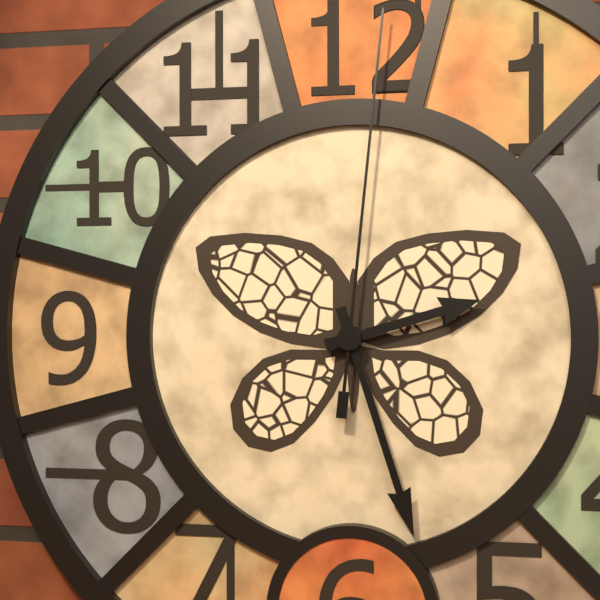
2:27:01
